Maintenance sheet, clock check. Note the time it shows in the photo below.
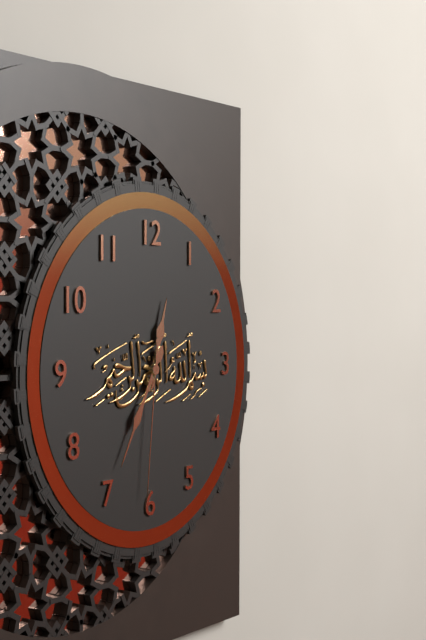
12:35:31
